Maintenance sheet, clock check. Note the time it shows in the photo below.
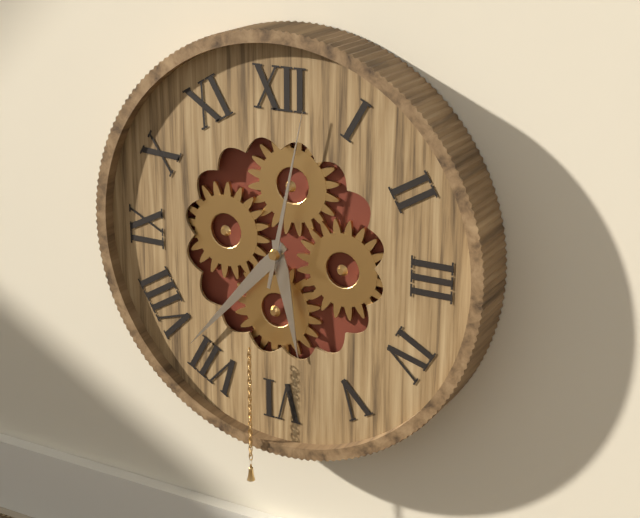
5:37:02
